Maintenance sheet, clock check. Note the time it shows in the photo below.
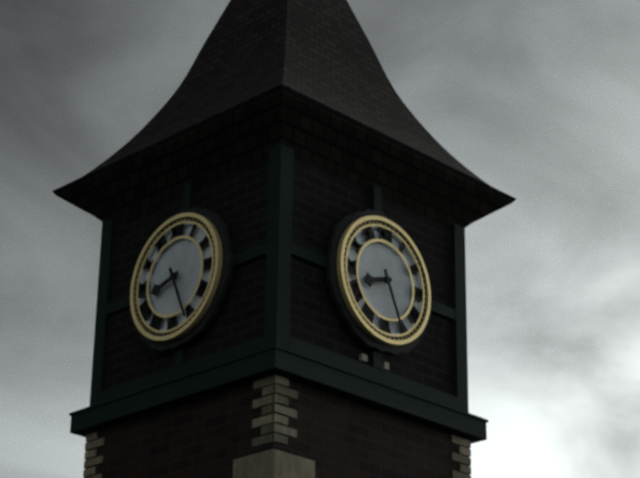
8:26
